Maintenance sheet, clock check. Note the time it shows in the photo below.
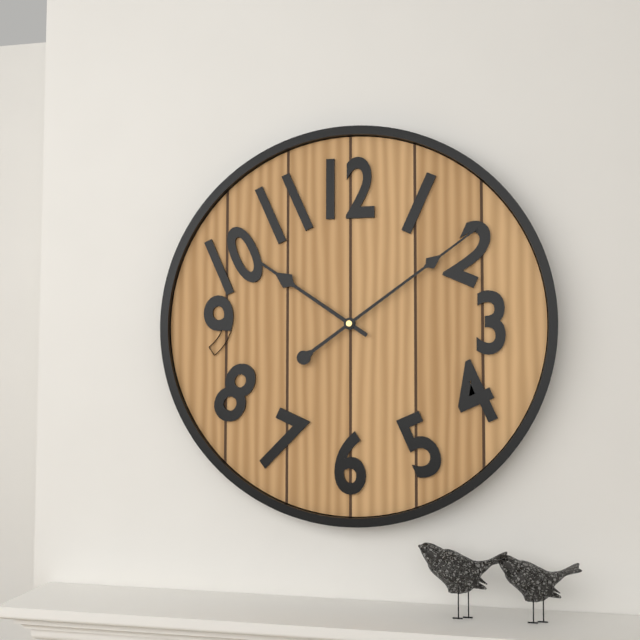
10:09
